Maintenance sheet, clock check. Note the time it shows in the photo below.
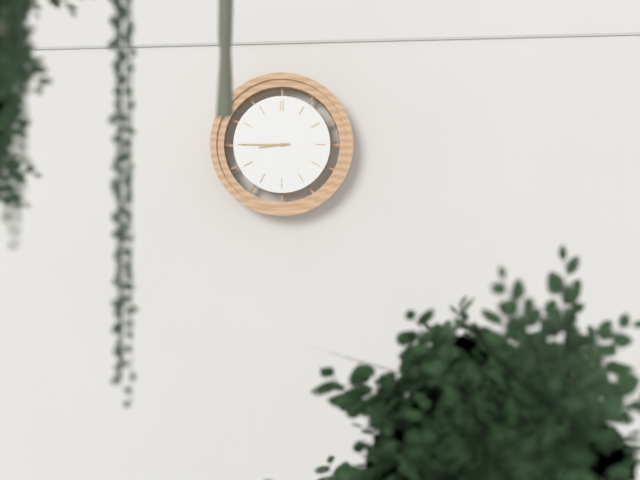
8:45
